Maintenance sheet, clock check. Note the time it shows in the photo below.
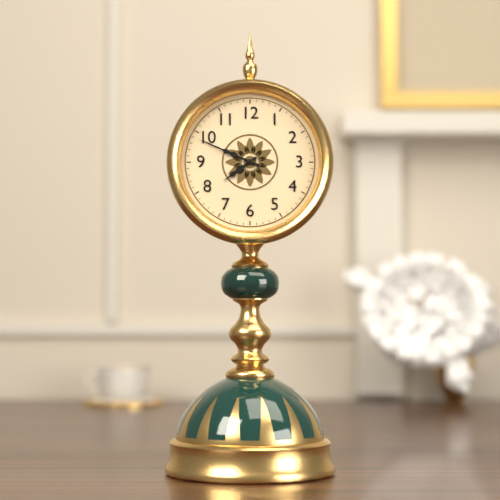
7:49
